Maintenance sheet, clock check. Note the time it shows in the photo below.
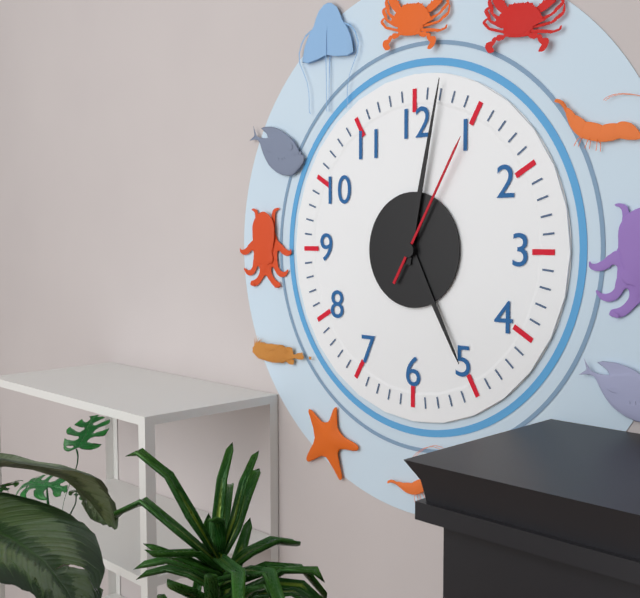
5:02:05
